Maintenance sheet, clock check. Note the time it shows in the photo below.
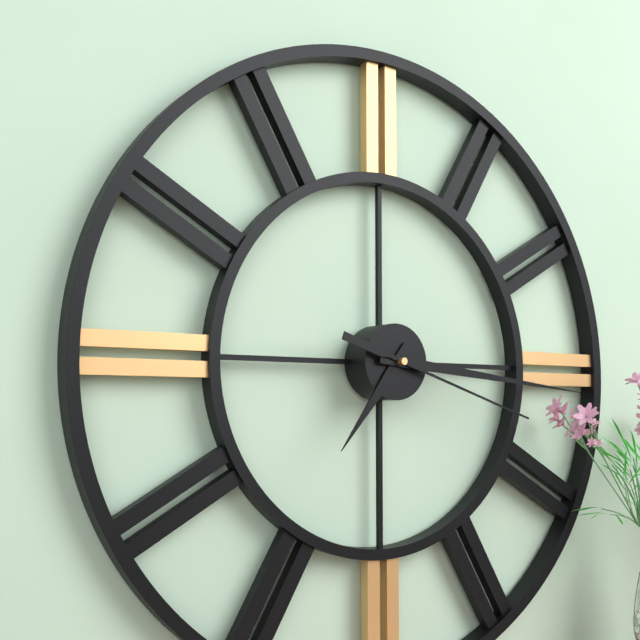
7:16:18
